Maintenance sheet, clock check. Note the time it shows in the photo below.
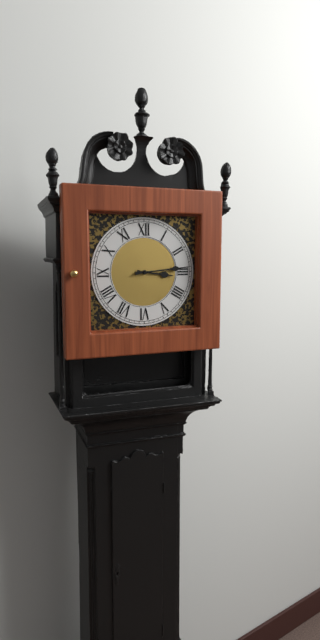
3:14
